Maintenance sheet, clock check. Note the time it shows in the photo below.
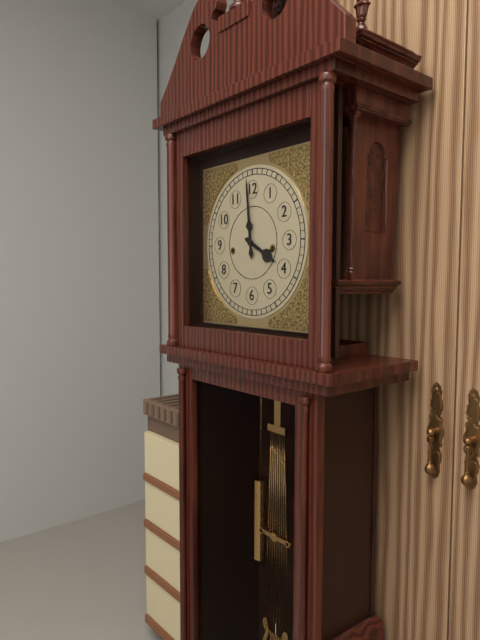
3:59
